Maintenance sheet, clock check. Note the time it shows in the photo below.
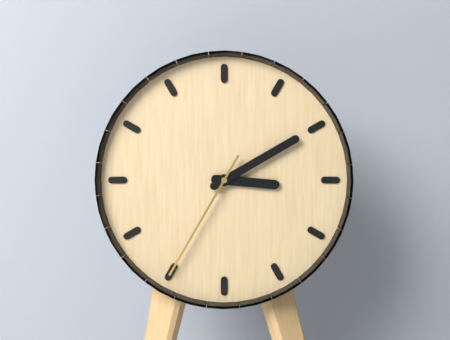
3:10:35
